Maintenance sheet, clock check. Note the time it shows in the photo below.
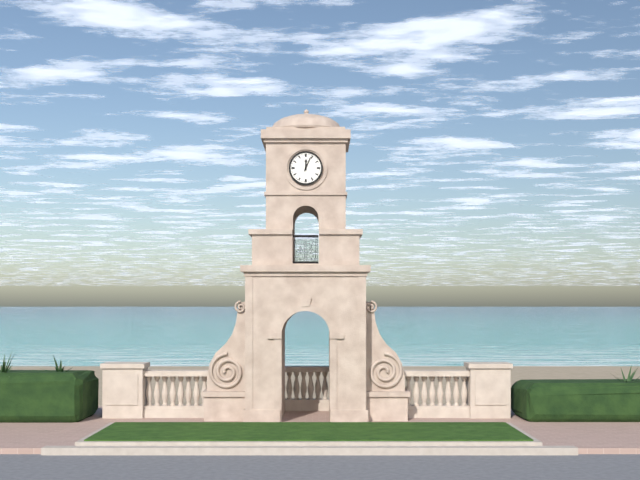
12:04
